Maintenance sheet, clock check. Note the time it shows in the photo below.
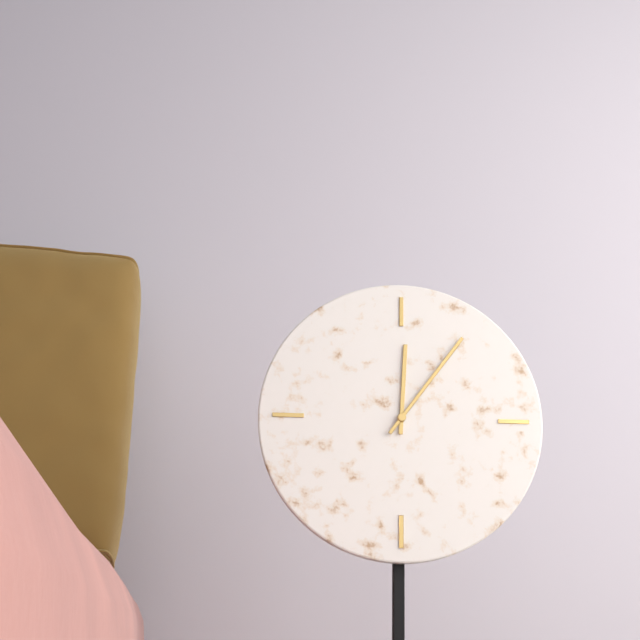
12:06
